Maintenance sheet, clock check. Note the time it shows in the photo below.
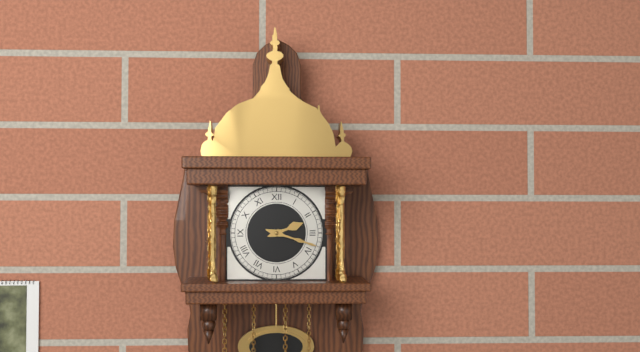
2:18
